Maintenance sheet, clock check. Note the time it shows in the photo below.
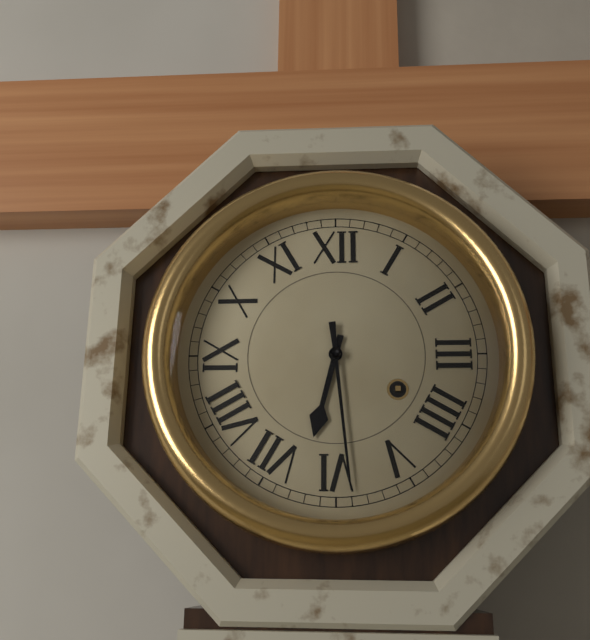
6:29
